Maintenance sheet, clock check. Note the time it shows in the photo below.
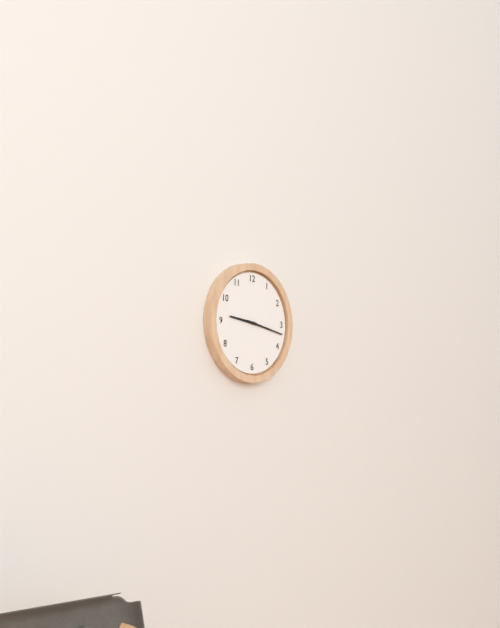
9:17
